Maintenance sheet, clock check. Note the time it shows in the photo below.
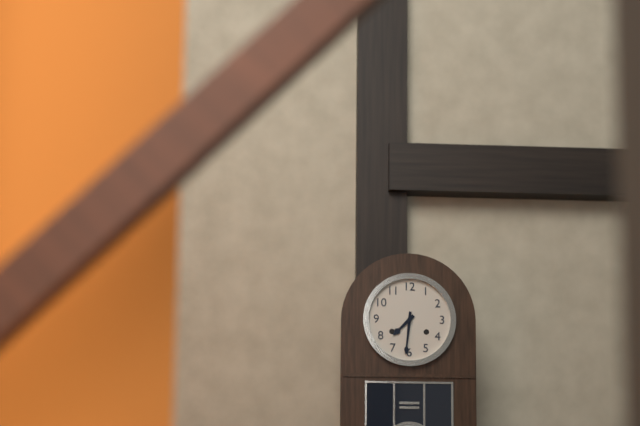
7:31
